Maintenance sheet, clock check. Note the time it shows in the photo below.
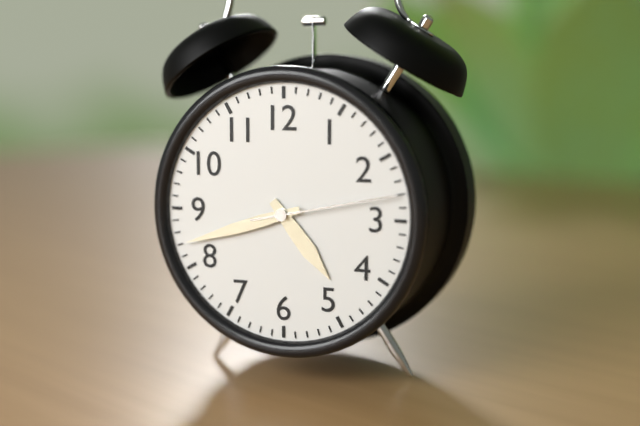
4:42:13
